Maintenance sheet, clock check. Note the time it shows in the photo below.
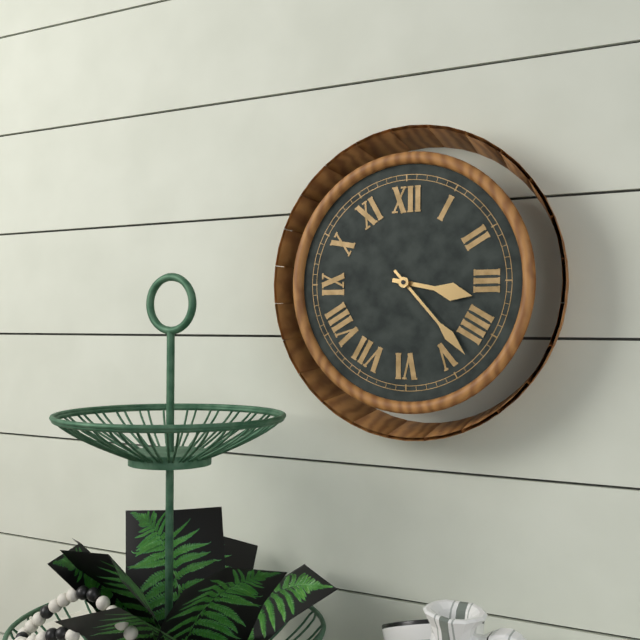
3:23
